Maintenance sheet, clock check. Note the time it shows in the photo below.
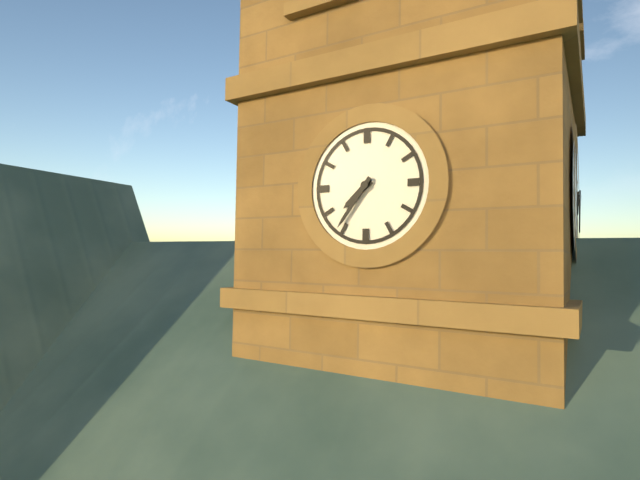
7:36
